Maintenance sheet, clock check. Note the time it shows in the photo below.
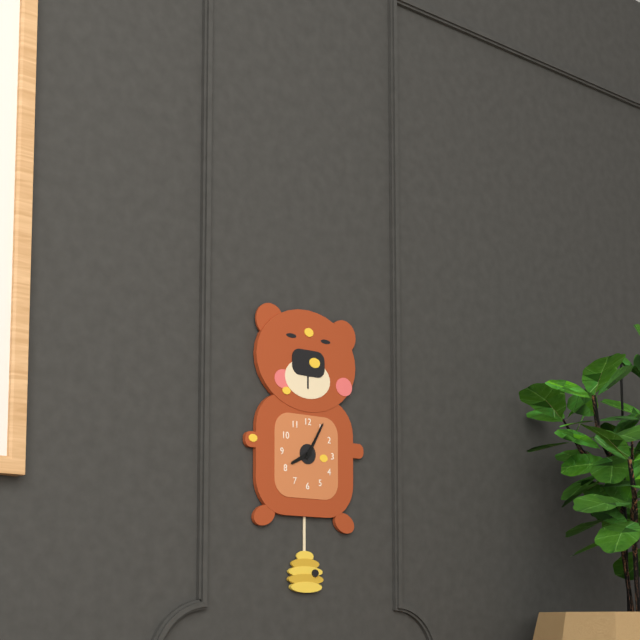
8:05
